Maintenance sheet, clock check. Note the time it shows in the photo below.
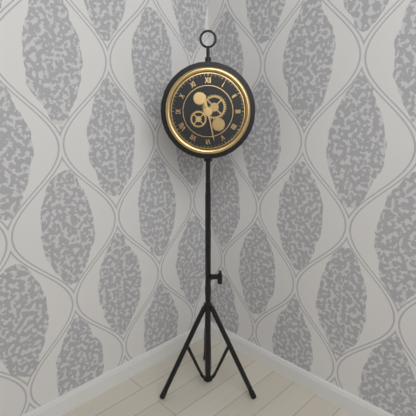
11:28
